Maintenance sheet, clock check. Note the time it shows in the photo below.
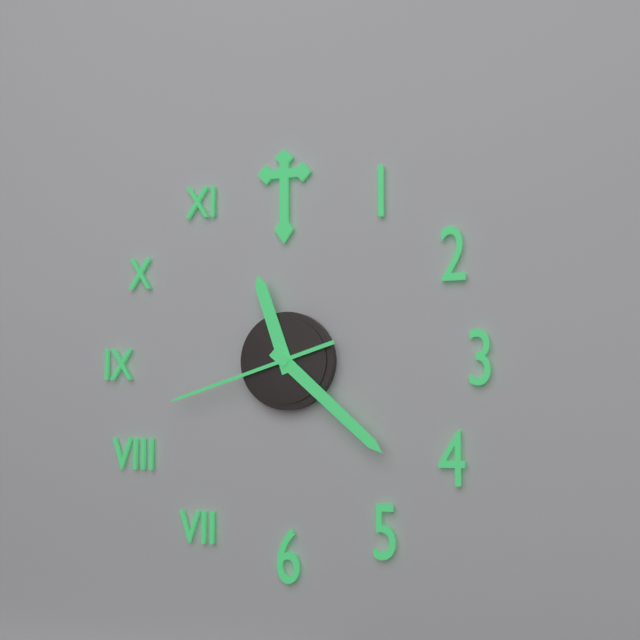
11:22:42
